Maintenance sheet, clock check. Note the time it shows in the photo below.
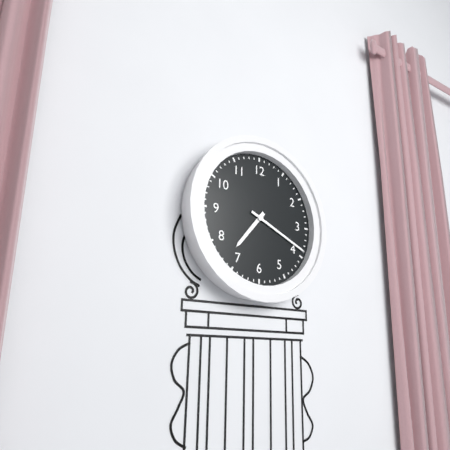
7:19
